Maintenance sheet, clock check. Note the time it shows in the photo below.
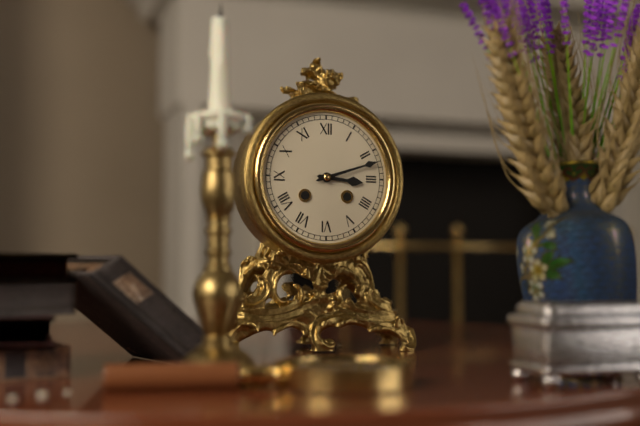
3:12
